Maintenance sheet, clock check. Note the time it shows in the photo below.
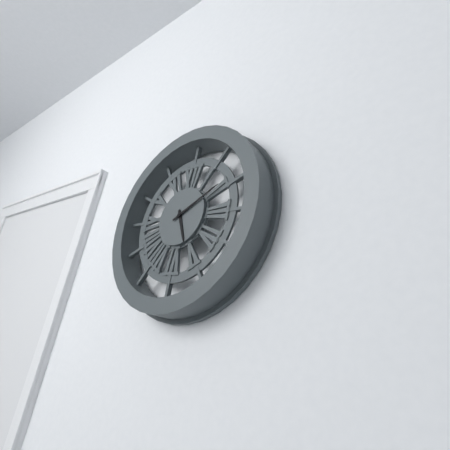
5:10
